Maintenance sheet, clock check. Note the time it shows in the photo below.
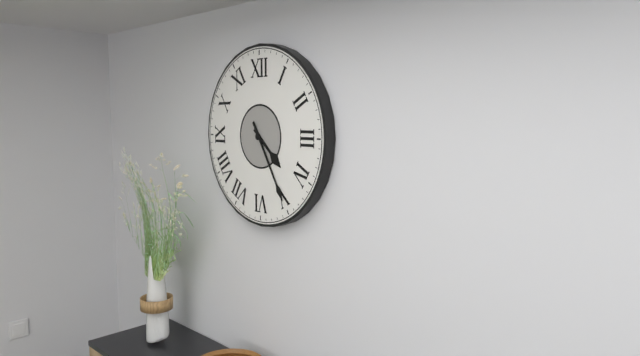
4:25
